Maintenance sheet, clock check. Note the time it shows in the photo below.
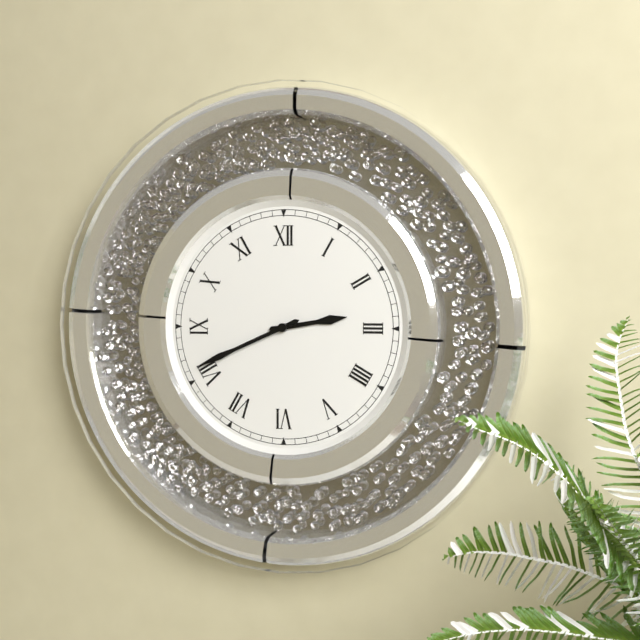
2:41
